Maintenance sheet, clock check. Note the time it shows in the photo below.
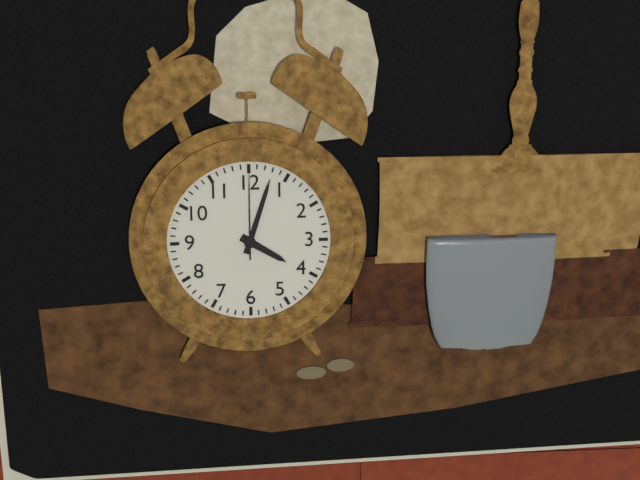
4:03:00
